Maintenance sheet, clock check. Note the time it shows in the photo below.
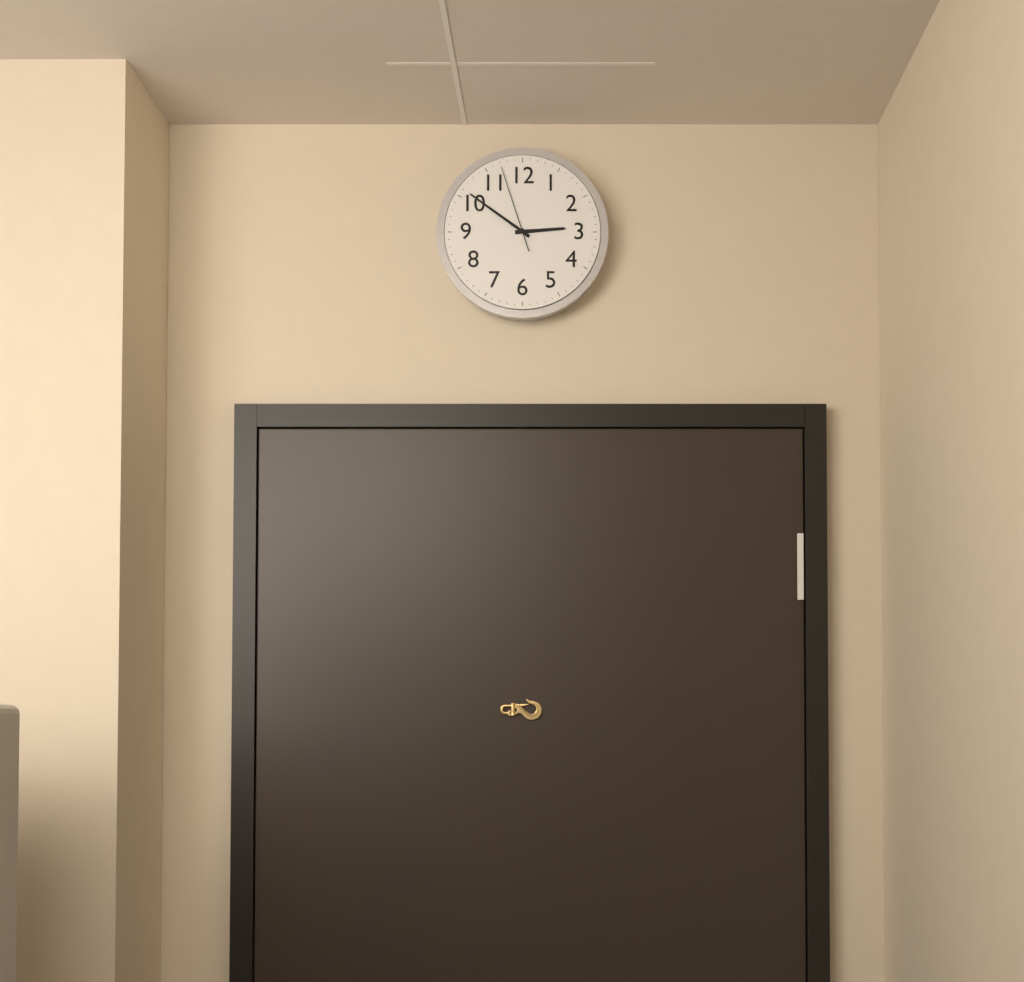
2:51:57
